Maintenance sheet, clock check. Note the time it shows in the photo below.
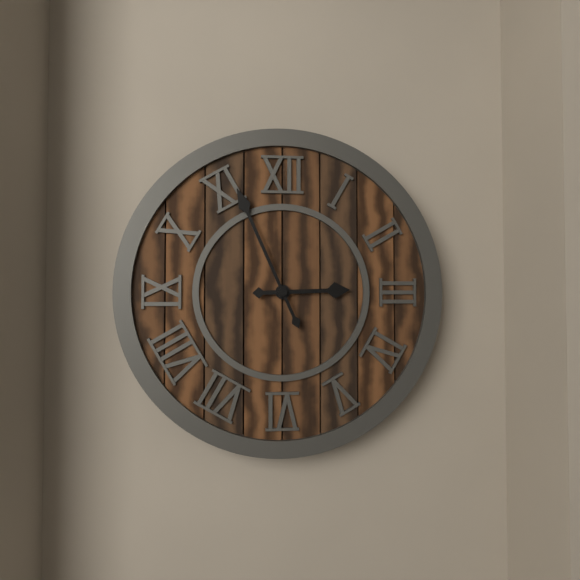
2:56
